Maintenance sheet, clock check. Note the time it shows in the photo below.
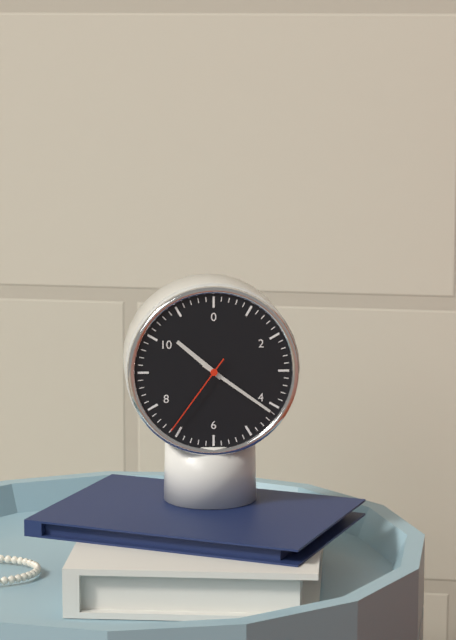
10:21:36
